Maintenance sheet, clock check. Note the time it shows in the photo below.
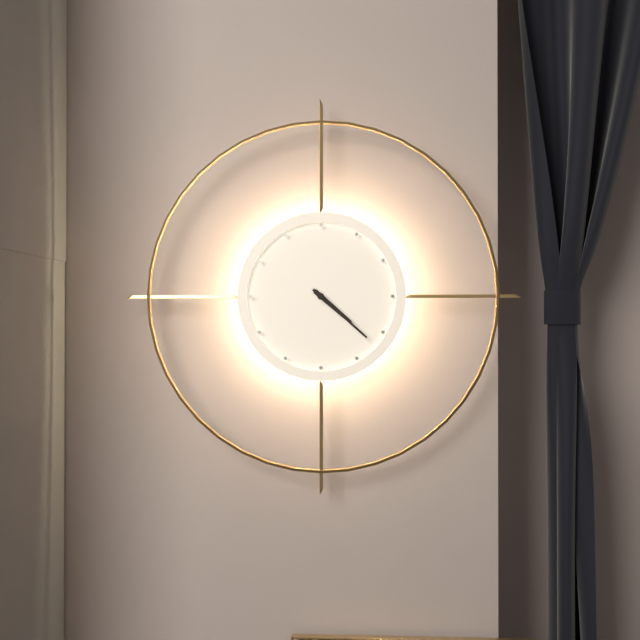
4:22
